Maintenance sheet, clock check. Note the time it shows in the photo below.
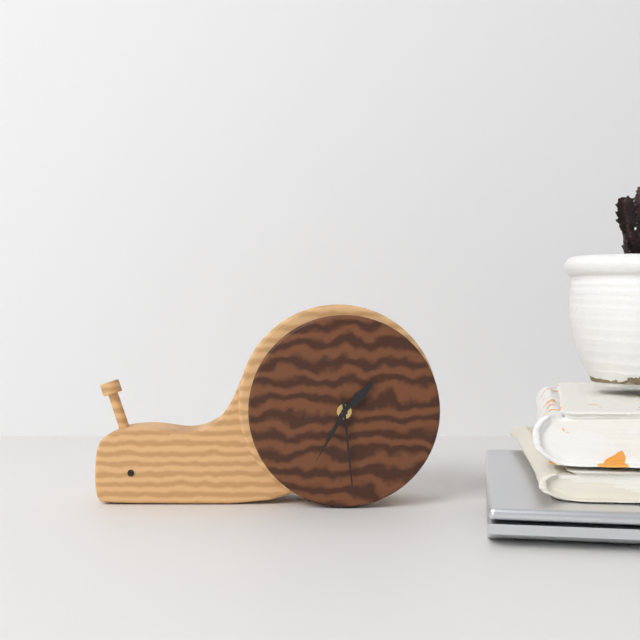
1:29:35
